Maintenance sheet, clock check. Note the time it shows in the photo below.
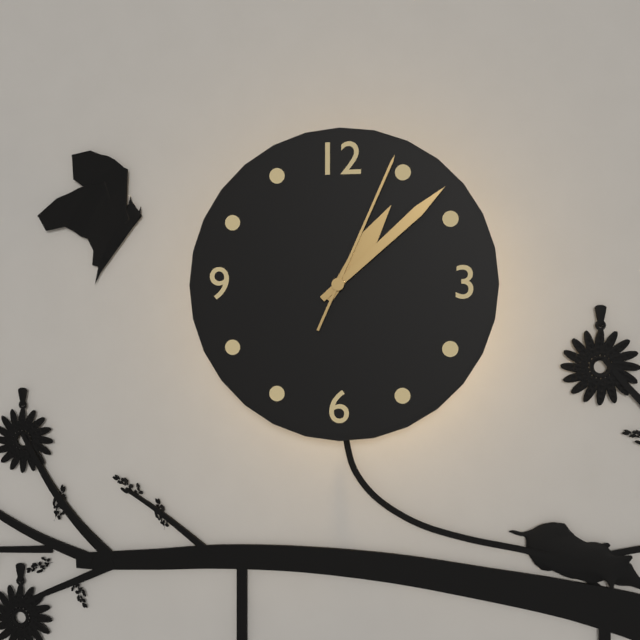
1:08:04
